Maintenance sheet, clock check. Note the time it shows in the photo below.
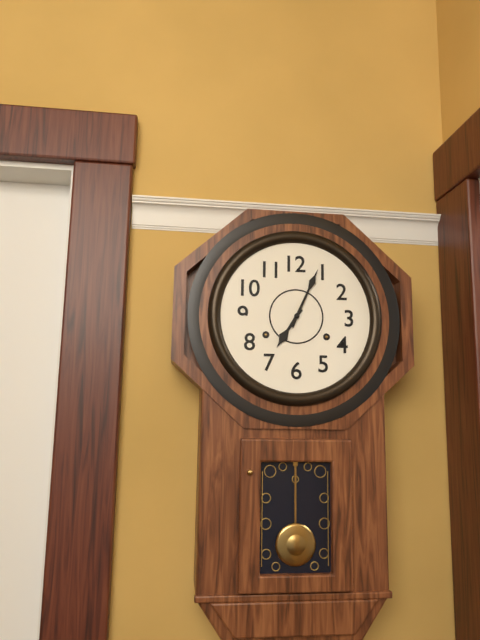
7:04
